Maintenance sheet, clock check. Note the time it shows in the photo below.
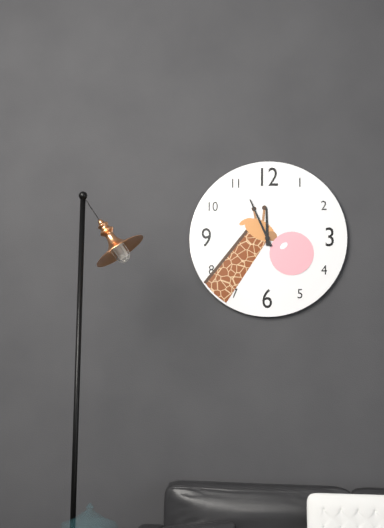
11:56
